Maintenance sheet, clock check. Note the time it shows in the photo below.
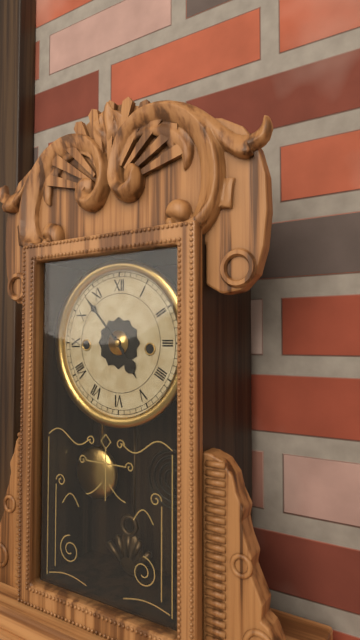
4:53
